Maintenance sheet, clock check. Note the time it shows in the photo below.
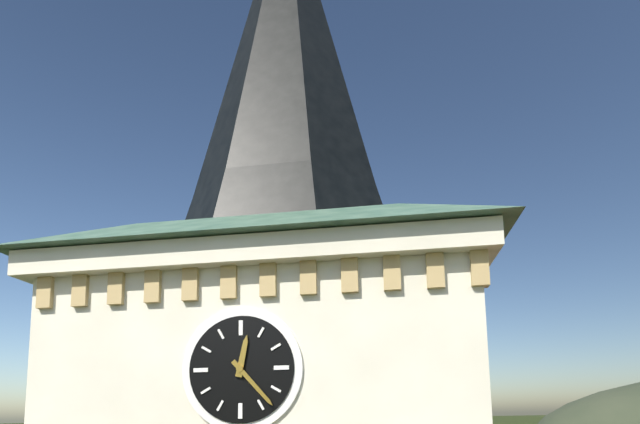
12:23
